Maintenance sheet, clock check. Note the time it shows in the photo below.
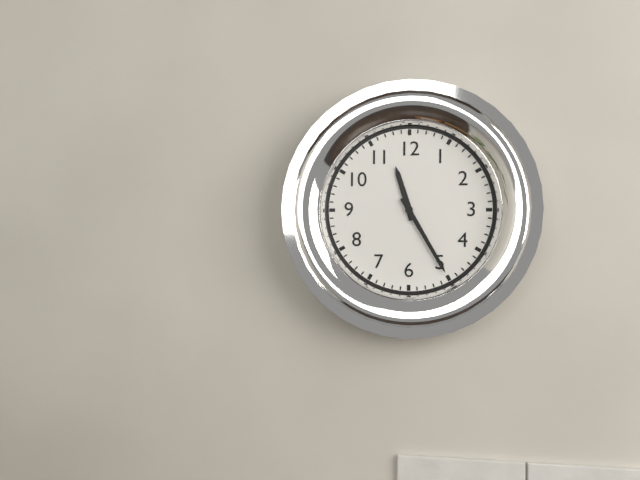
11:25
